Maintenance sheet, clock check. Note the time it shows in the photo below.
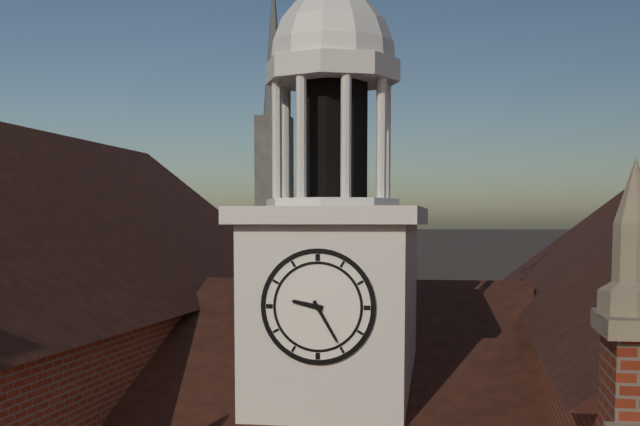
9:25
